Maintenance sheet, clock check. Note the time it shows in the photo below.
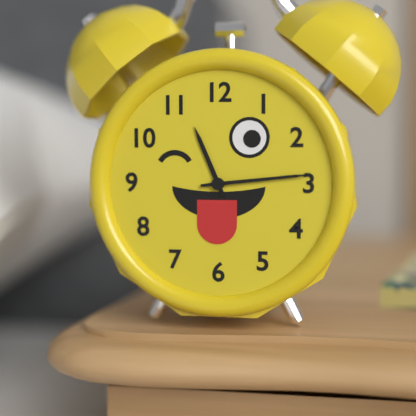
11:14
